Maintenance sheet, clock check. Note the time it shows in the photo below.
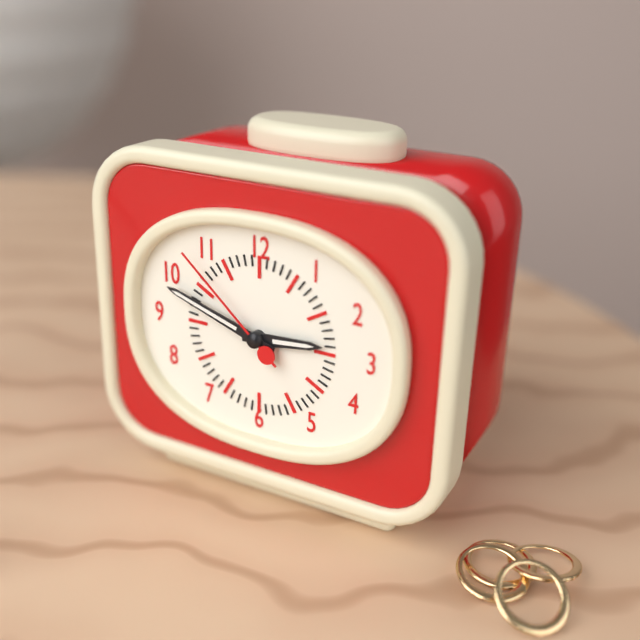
2:48:52
